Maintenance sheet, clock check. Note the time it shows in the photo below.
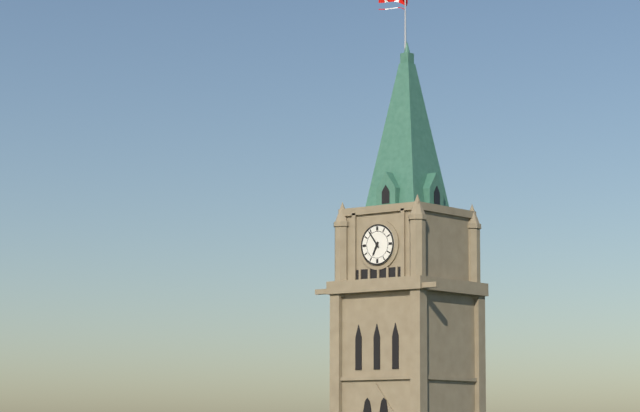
6:54
